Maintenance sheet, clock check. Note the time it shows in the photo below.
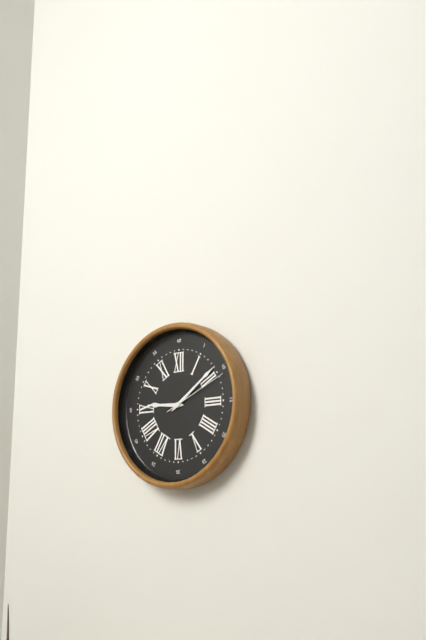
9:09:11
